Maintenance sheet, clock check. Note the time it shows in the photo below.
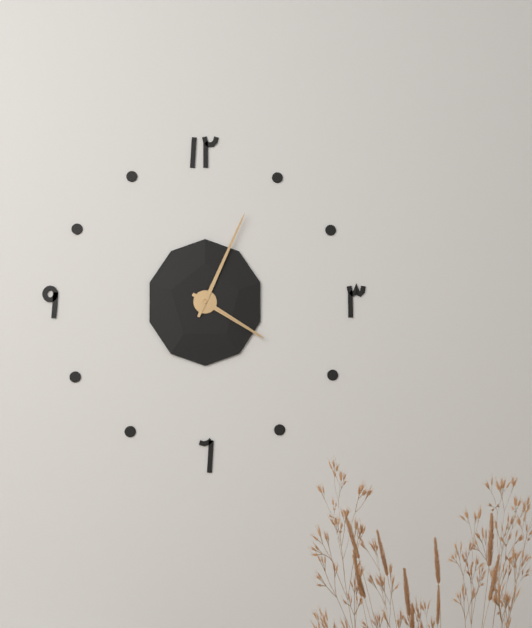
4:04
